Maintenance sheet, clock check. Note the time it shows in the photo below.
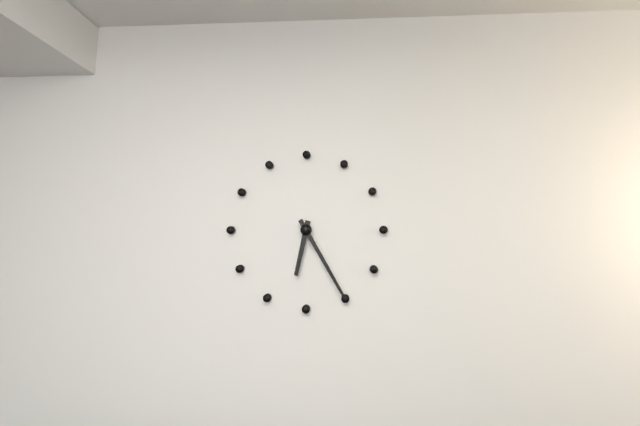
6:25
